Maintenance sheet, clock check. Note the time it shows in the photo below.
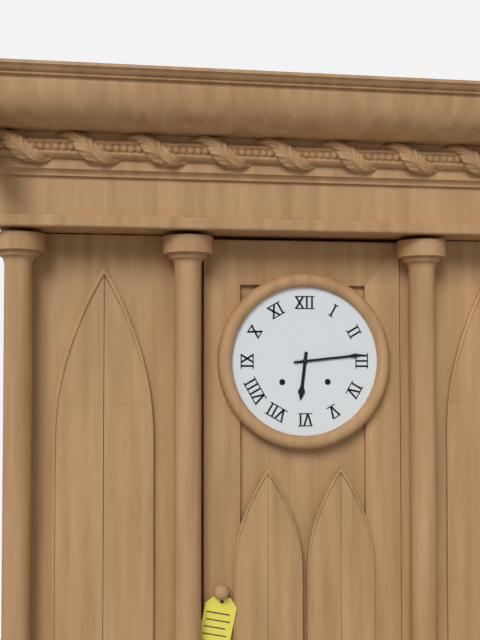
6:14
